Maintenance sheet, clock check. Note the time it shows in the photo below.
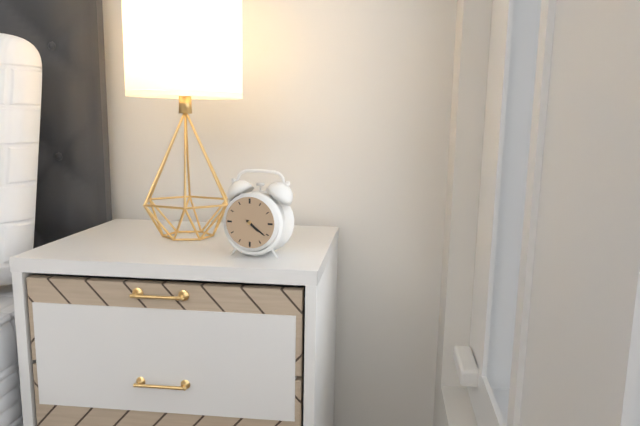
4:21
